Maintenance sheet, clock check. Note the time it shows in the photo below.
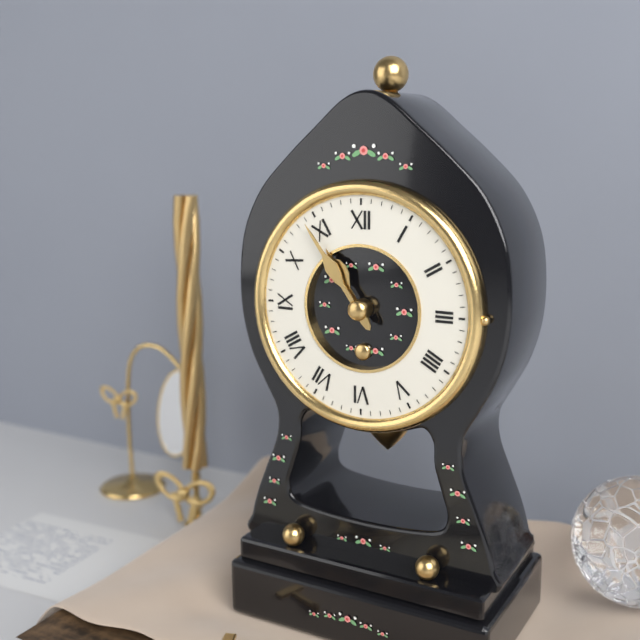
10:54
